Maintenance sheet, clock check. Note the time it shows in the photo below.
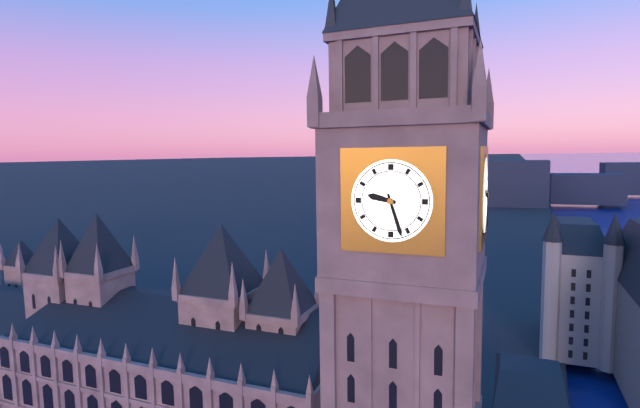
9:27
